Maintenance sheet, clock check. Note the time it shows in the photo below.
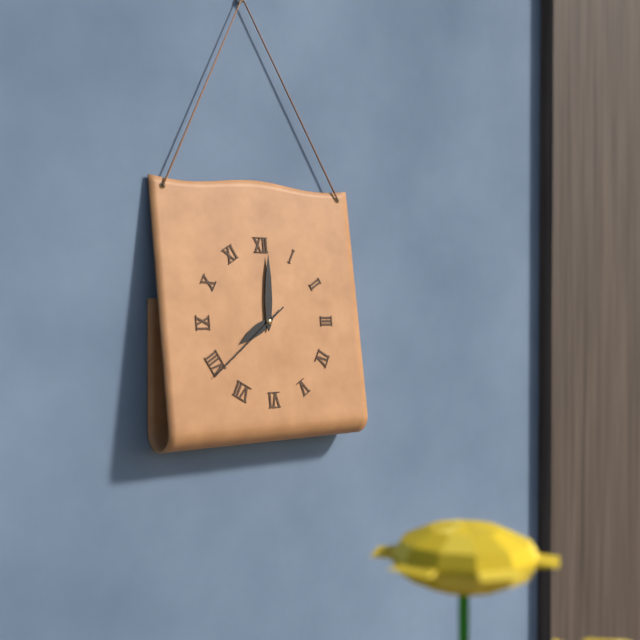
8:01:39
